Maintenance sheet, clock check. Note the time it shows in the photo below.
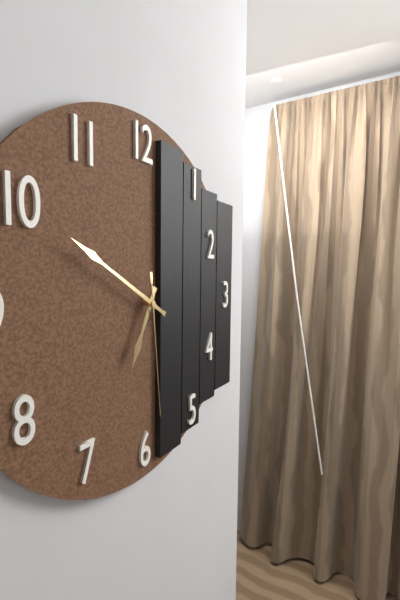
6:50:29
